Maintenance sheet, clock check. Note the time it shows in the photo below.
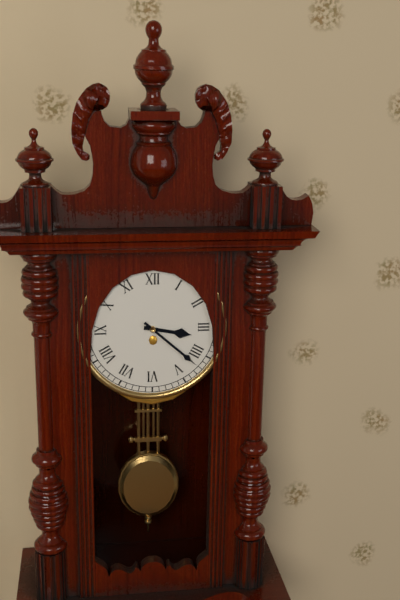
3:22
